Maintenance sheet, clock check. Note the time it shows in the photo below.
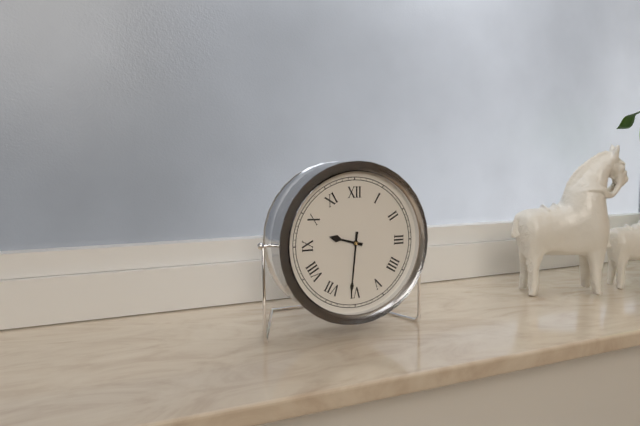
9:31
